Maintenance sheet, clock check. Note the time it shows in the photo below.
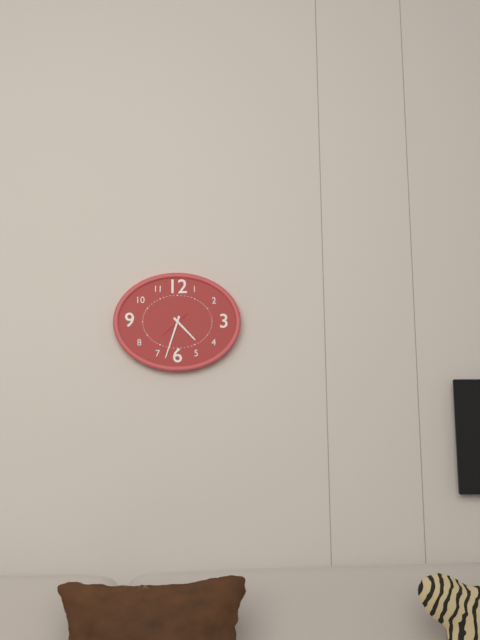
4:33
